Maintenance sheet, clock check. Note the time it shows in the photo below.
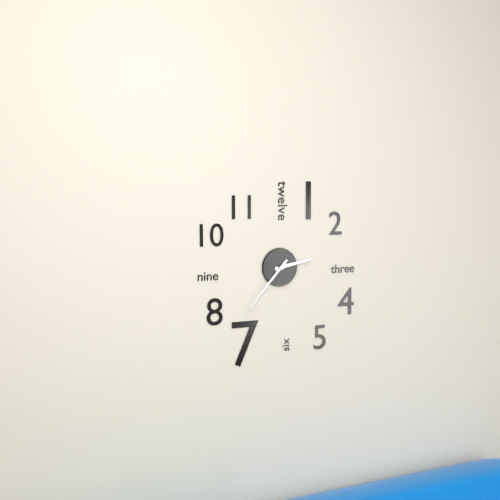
2:37
